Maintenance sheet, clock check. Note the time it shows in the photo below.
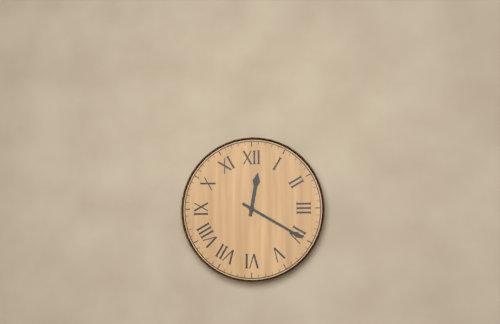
12:20
